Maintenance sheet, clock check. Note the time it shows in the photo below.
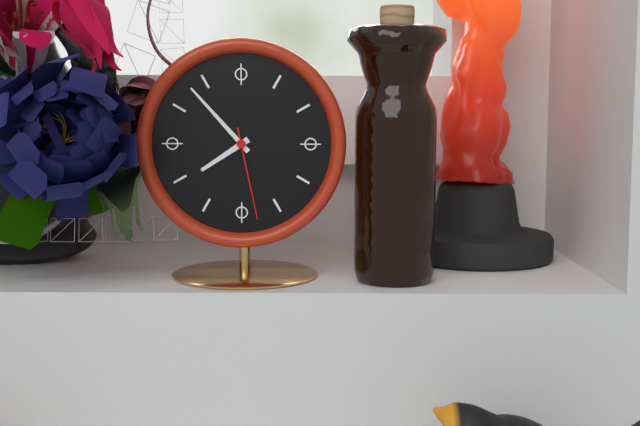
7:53:28
